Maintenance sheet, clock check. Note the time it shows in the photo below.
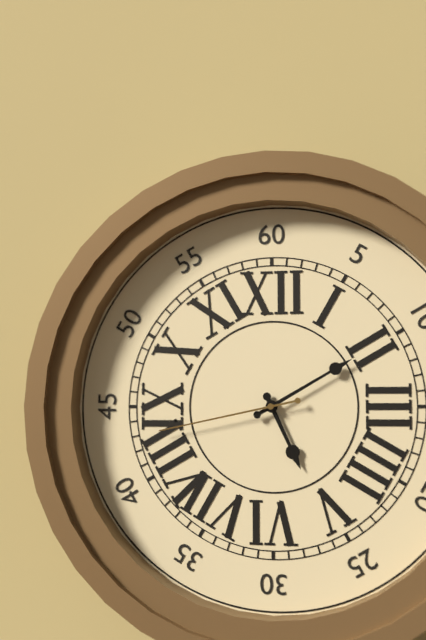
5:10:43
